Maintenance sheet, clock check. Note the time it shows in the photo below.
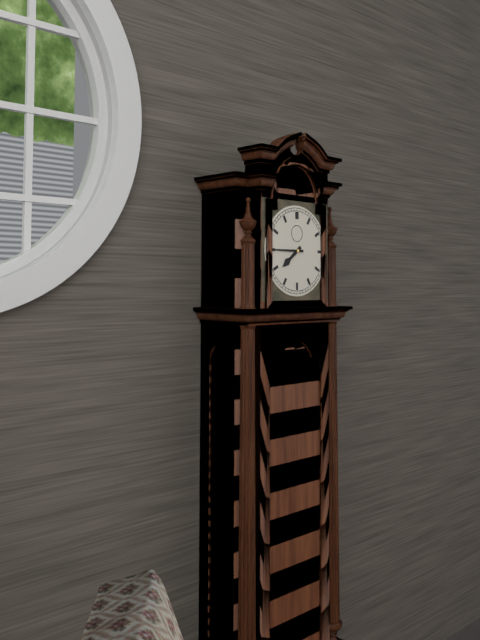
7:45
